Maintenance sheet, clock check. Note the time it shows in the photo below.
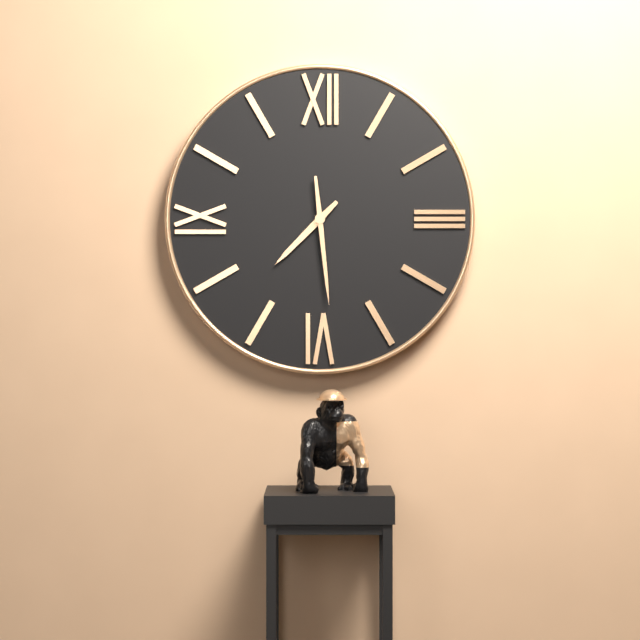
7:29
